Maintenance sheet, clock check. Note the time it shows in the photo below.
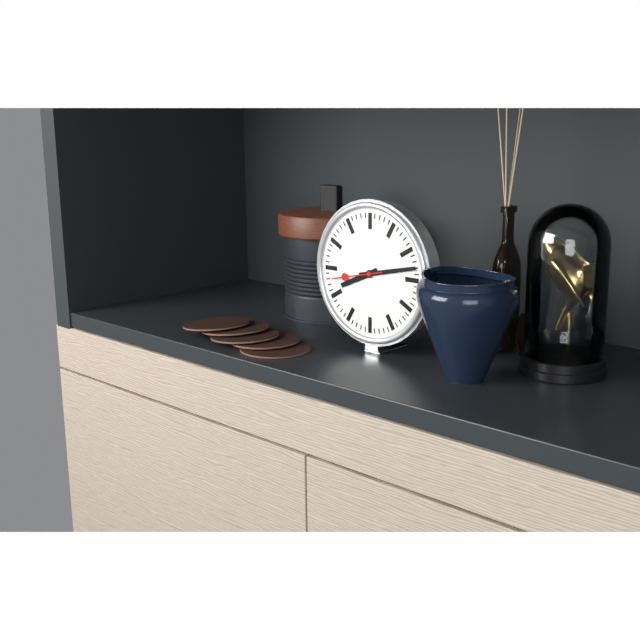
8:13:43
